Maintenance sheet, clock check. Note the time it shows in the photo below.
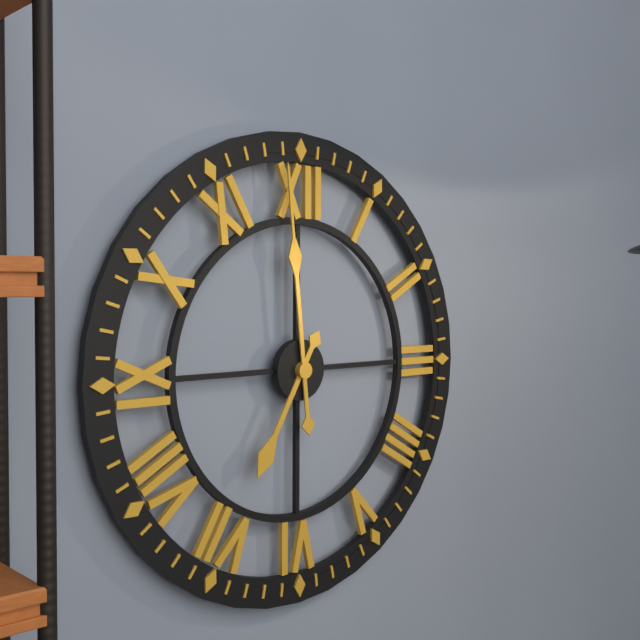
6:59
